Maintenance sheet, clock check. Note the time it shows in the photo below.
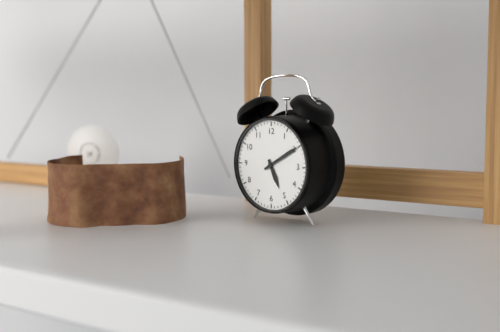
5:10
